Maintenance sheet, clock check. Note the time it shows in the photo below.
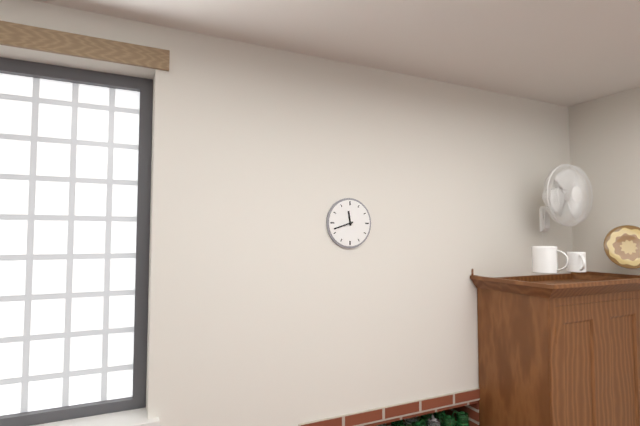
11:42
